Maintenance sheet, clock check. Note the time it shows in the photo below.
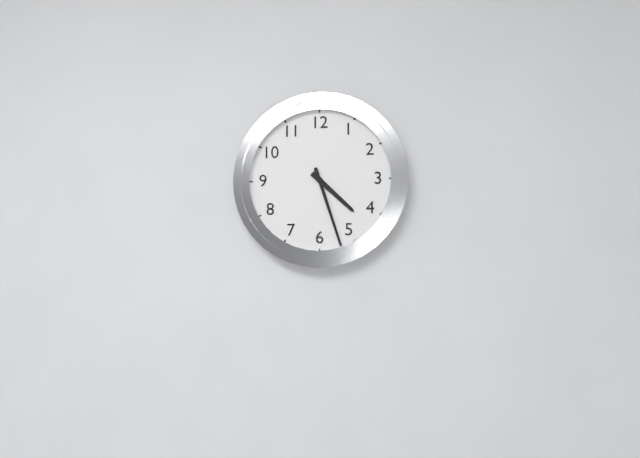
4:27
